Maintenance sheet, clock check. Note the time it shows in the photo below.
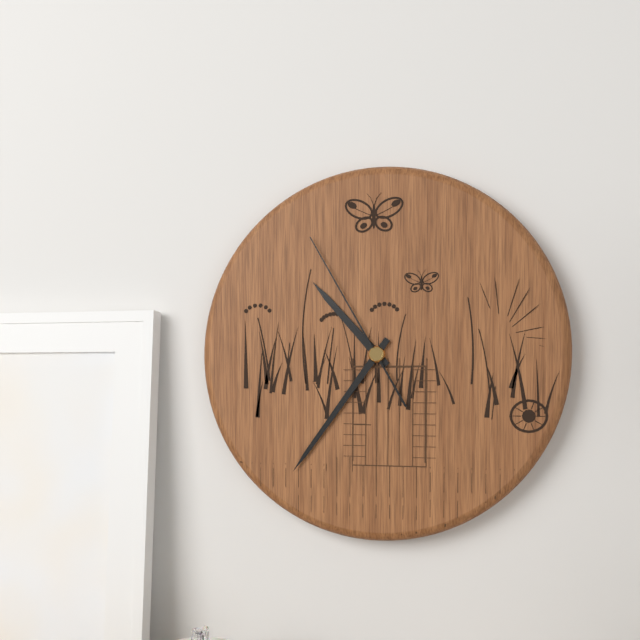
10:36:55
